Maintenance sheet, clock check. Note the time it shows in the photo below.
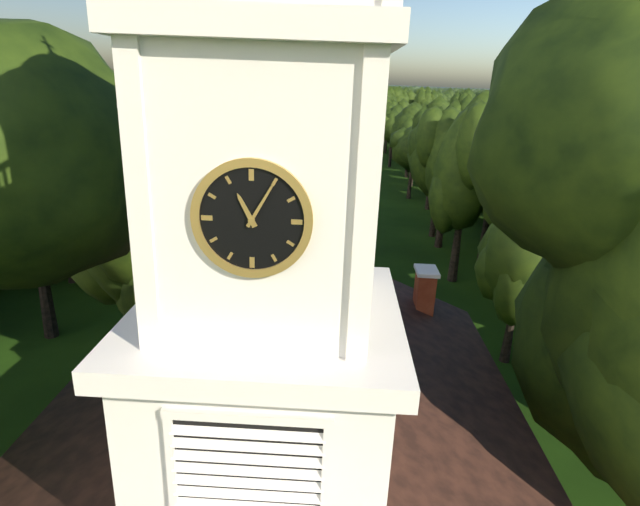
11:05
